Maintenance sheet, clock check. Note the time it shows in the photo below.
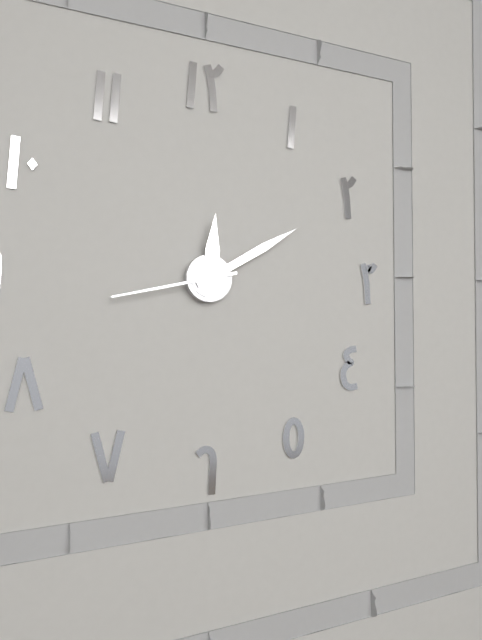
12:10:43
